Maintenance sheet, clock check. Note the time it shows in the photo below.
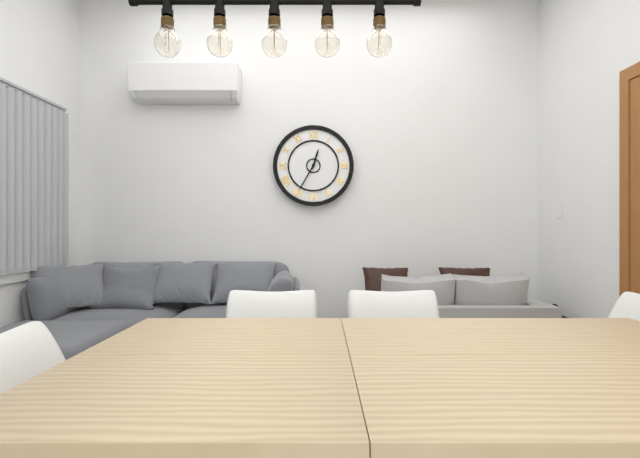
12:35
